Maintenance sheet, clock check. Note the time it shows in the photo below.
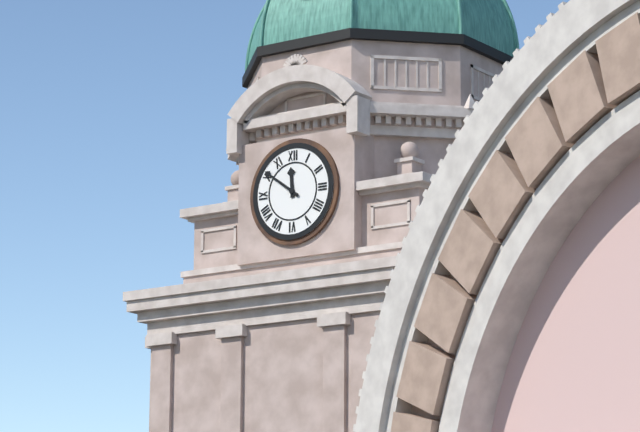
11:51
